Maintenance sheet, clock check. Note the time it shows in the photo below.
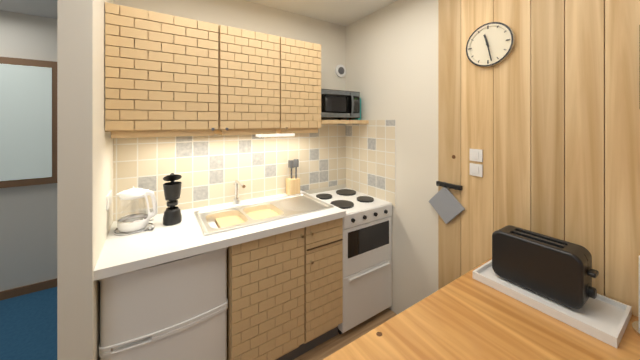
11:28
